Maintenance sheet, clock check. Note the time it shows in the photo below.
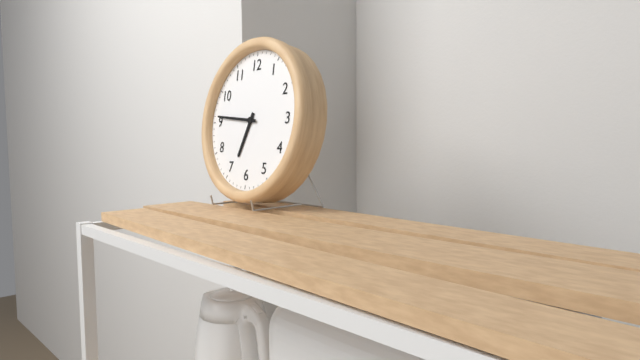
6:46
